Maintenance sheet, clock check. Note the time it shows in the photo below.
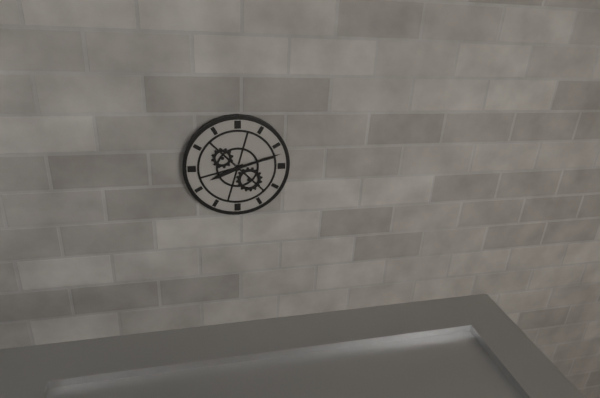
8:12
